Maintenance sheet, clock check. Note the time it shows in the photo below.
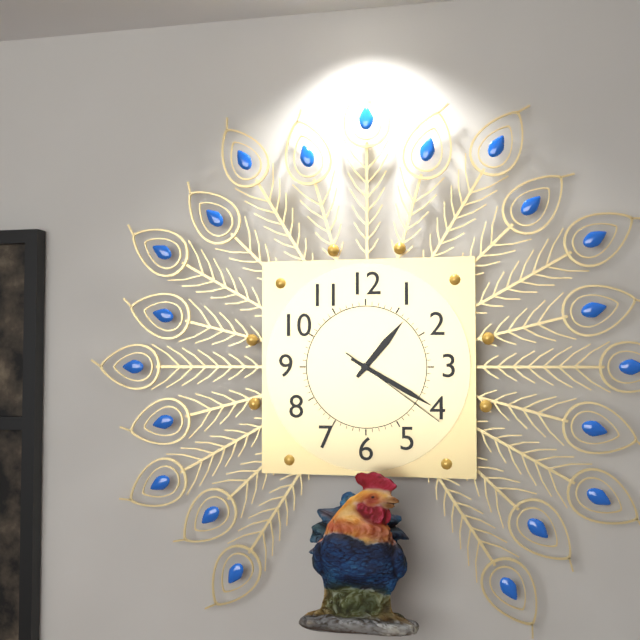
1:20:21
